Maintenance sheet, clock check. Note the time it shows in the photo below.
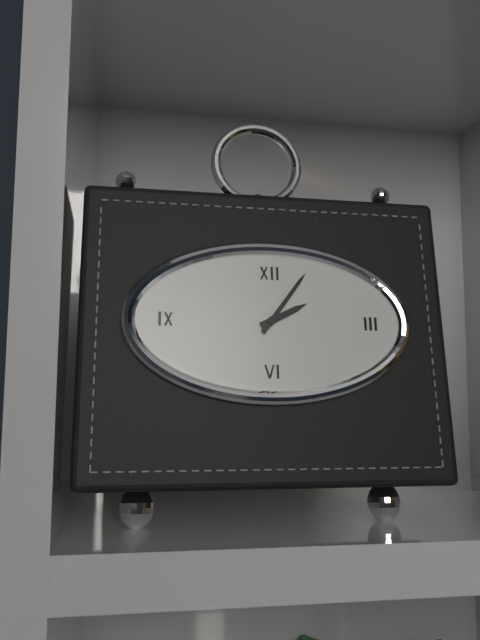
2:06
